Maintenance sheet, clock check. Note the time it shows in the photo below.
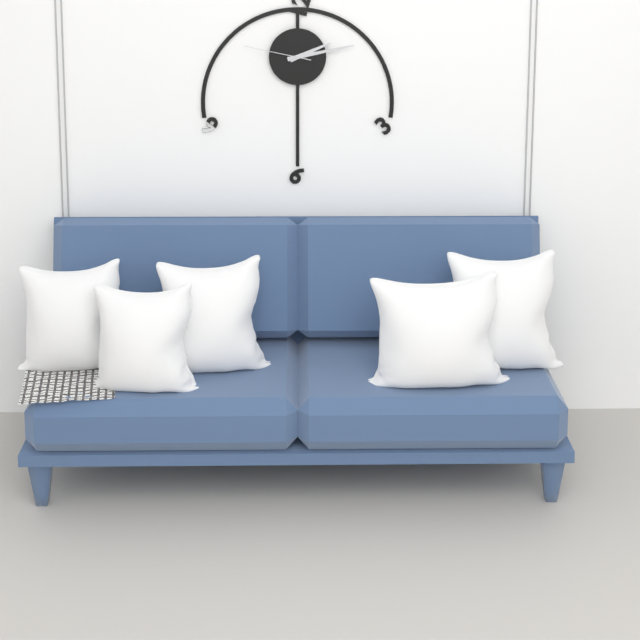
2:13:47
